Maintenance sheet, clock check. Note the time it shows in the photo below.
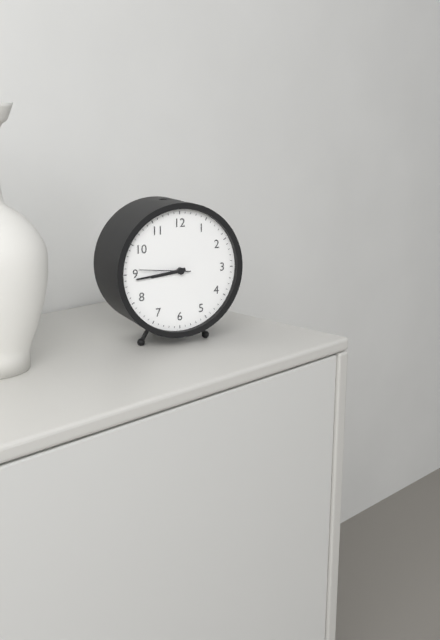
8:44:46
